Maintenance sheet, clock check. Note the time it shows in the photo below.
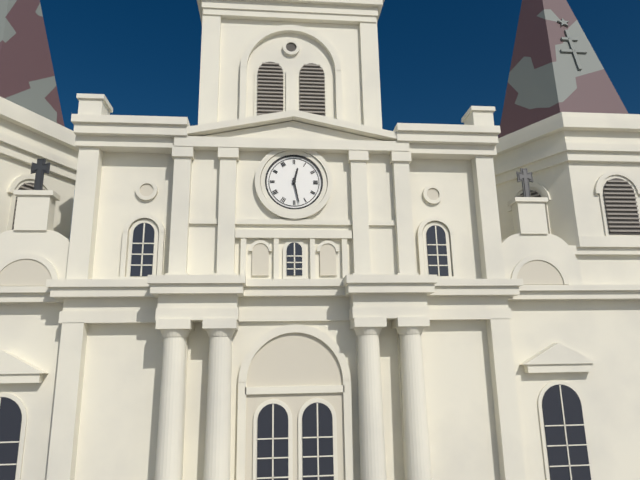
12:28
